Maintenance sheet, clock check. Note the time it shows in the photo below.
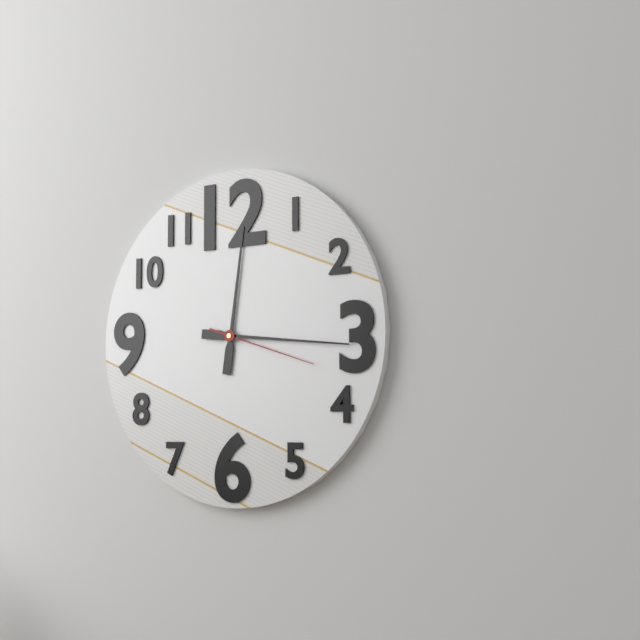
12:16:18
